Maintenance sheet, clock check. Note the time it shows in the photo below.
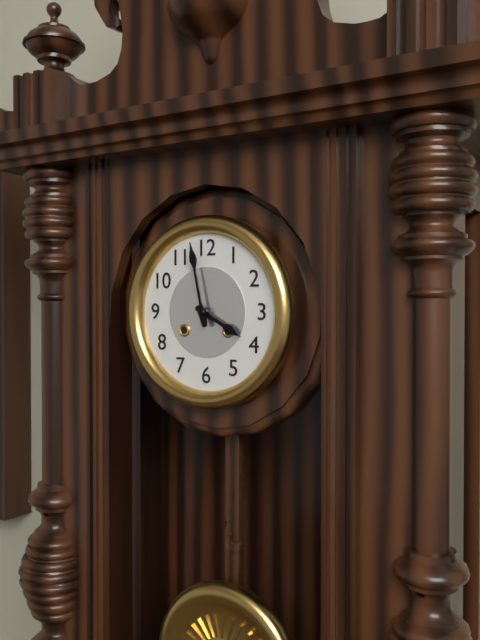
3:58
